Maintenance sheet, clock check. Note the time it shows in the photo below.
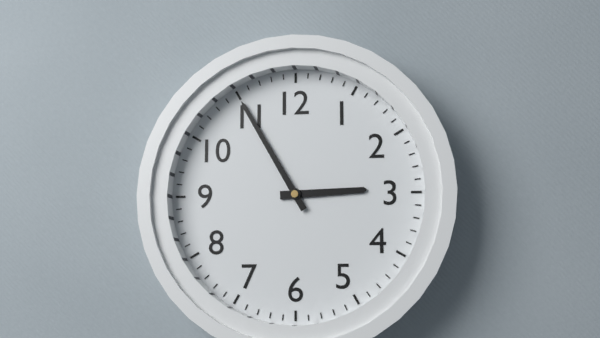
2:55
